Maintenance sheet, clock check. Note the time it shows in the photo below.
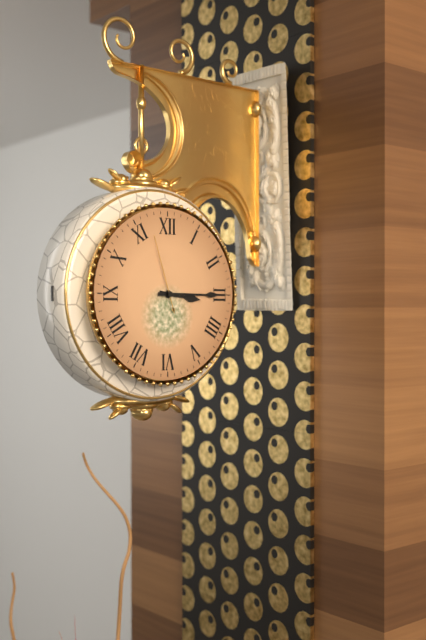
3:15:57
